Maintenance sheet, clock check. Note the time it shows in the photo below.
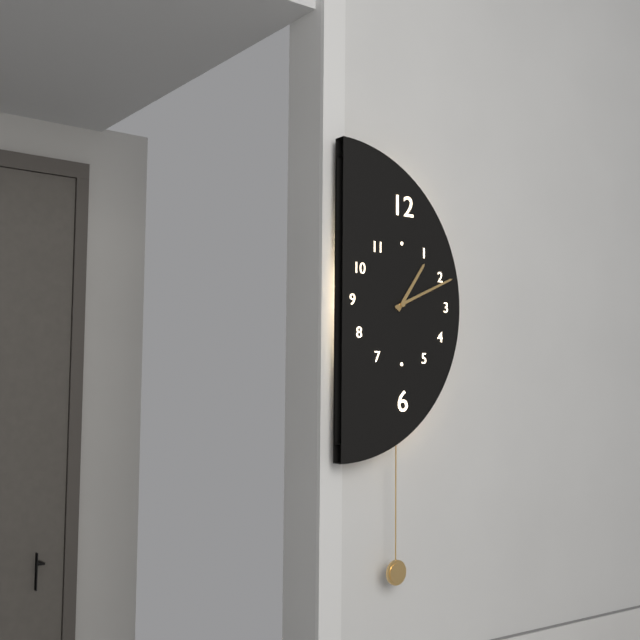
1:11
